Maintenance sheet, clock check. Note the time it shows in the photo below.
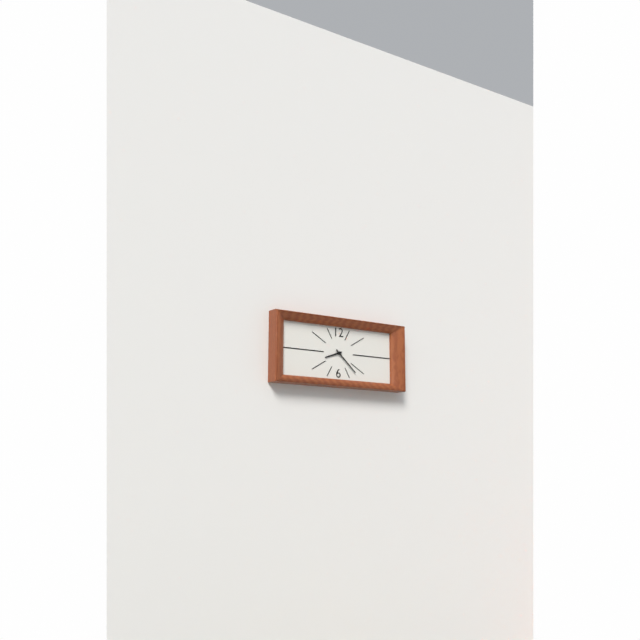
8:22
